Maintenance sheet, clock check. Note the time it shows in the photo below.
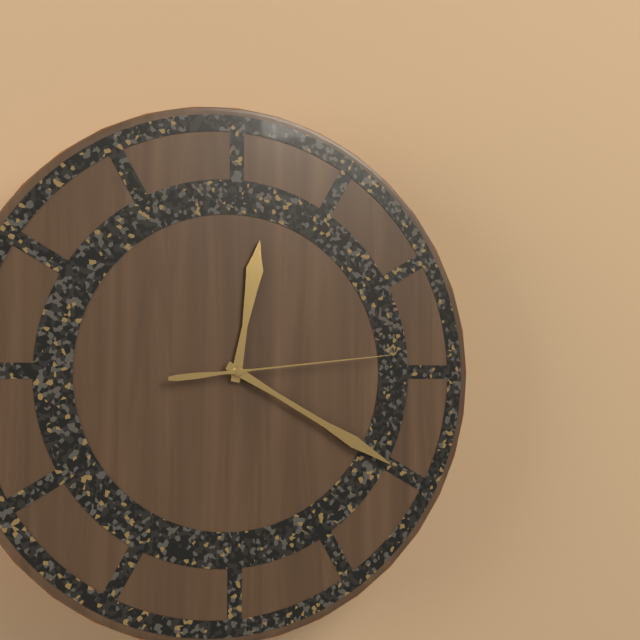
12:20:14
